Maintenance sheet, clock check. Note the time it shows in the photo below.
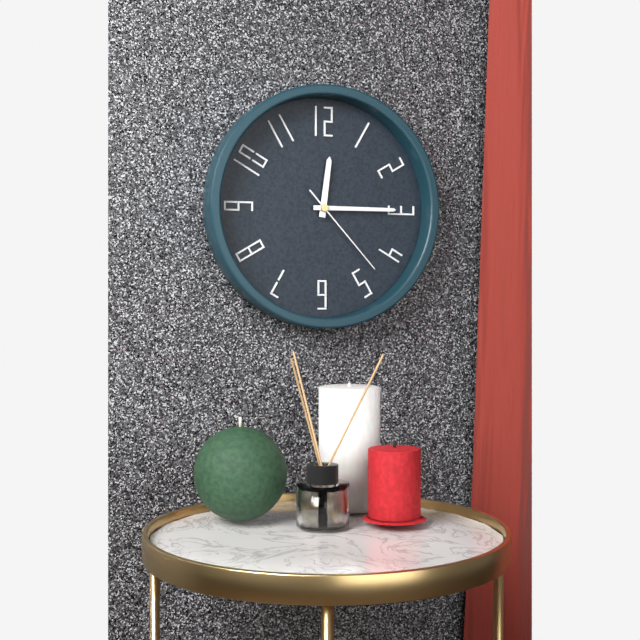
12:15:23
